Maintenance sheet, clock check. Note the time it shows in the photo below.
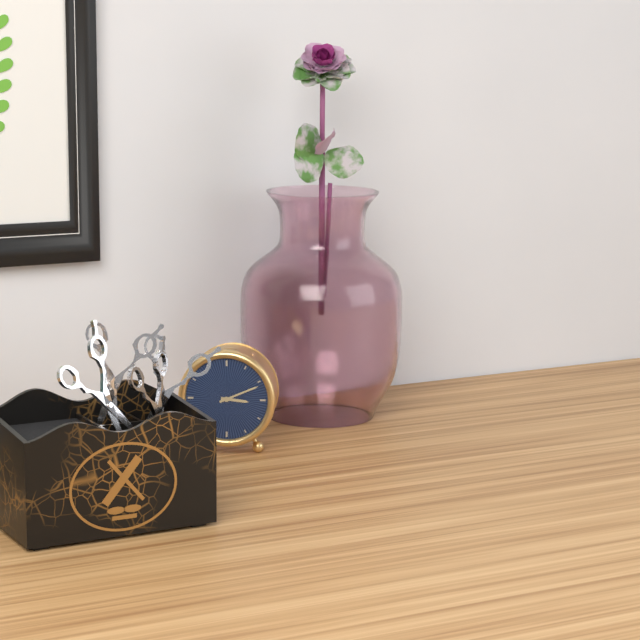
3:11
